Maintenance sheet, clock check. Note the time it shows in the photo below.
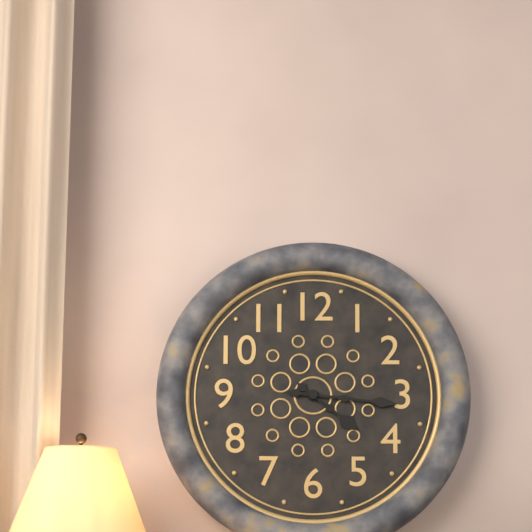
4:16
